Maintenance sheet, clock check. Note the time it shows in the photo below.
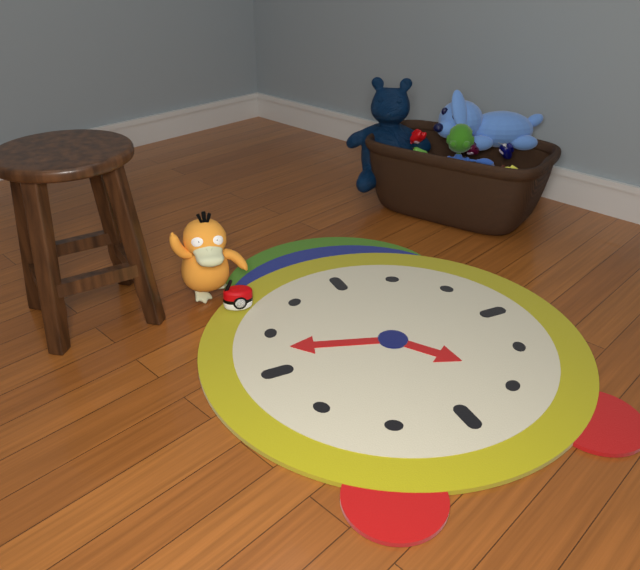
4:48
